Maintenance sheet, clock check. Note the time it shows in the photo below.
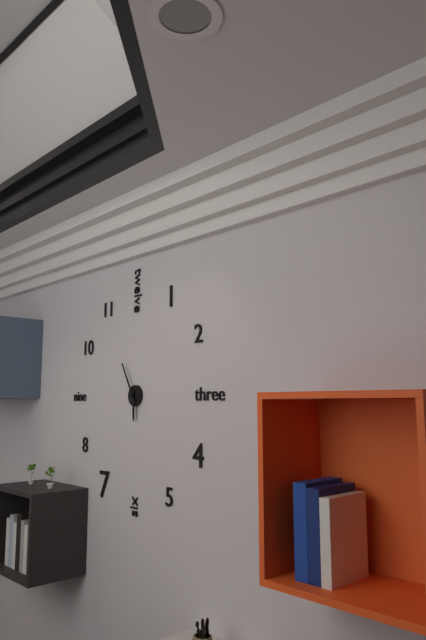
5:55
